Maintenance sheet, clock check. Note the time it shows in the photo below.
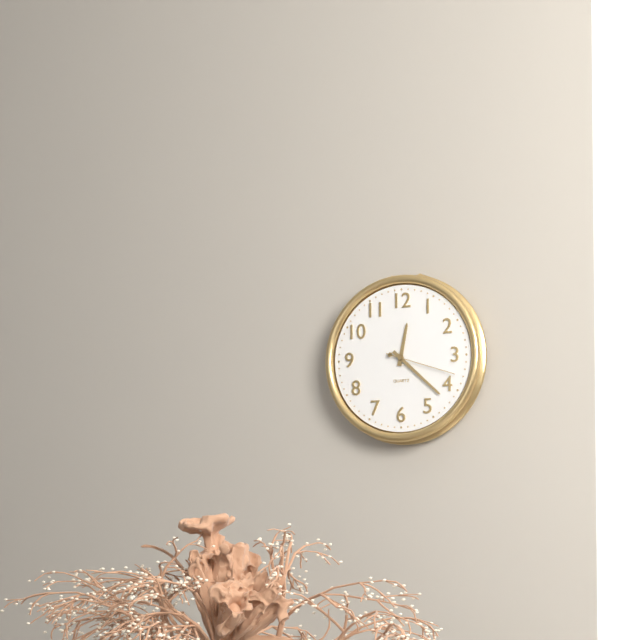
12:22:18
